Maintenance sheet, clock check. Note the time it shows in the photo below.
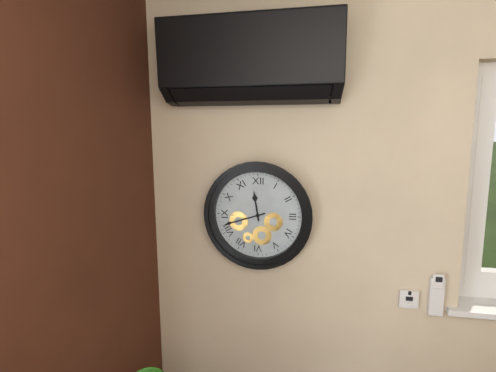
11:42
